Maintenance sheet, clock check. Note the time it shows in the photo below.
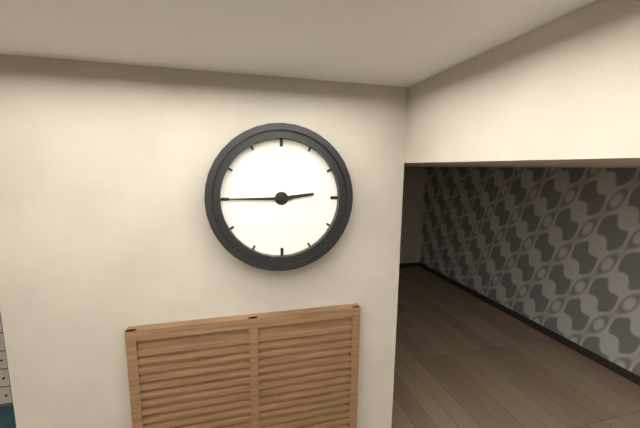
2:45
